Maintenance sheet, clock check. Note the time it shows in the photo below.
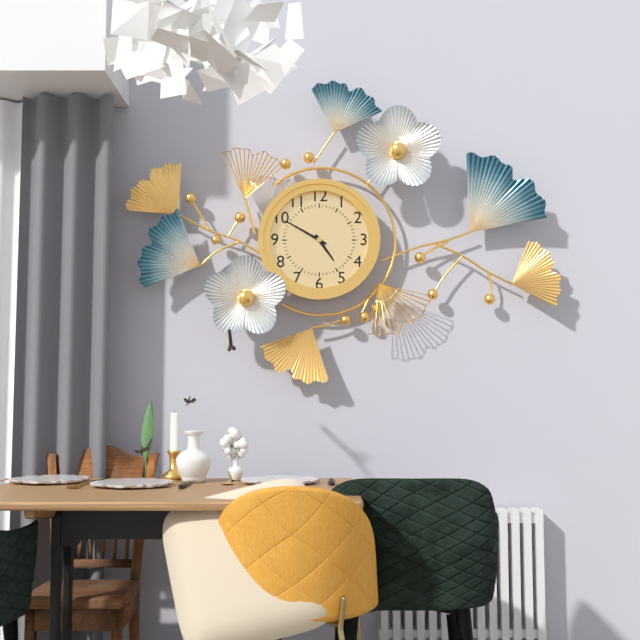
4:50
